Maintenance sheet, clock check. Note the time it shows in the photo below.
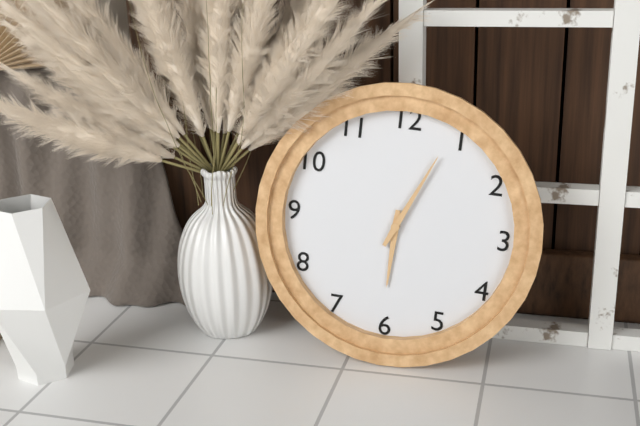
6:04
